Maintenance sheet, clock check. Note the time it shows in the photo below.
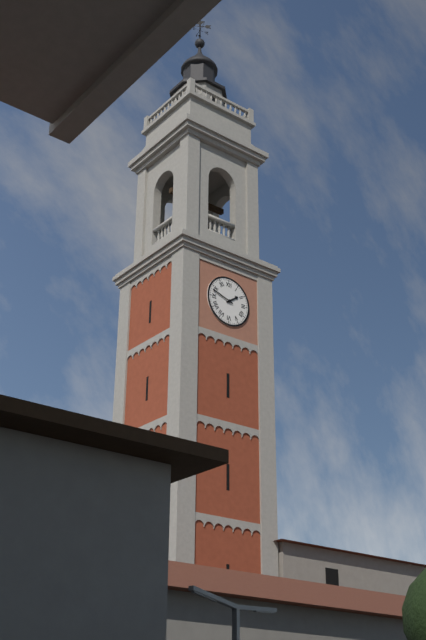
1:48
